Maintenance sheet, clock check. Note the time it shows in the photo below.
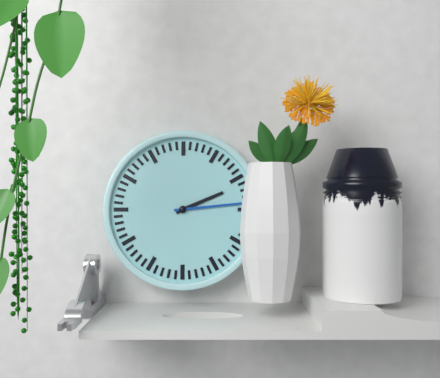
2:14
